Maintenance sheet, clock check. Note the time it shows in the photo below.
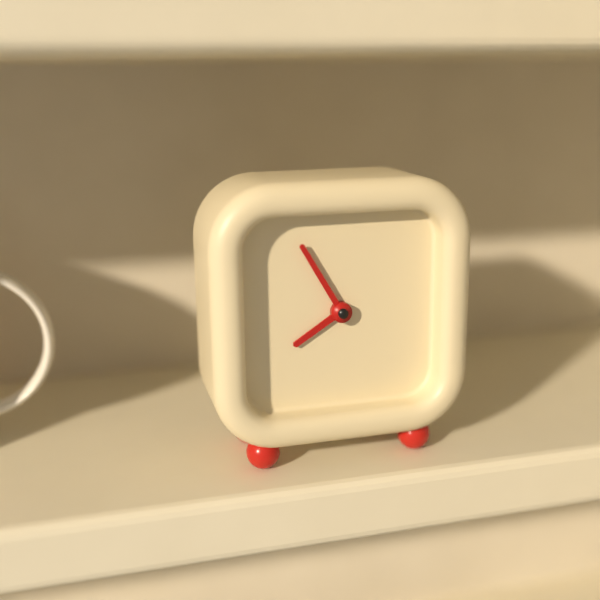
7:55
